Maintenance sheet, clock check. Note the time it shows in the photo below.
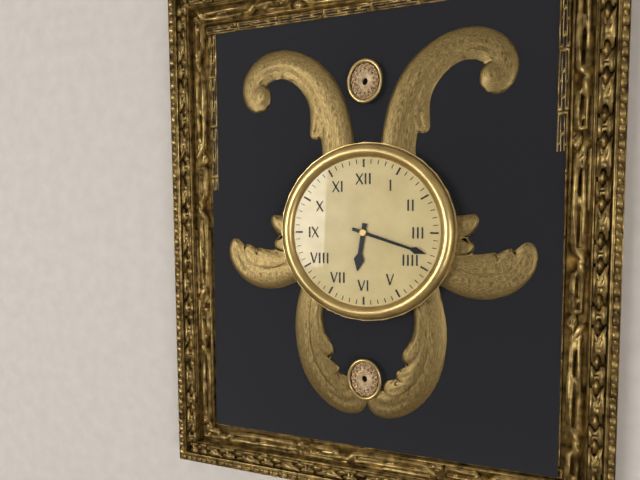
6:18
